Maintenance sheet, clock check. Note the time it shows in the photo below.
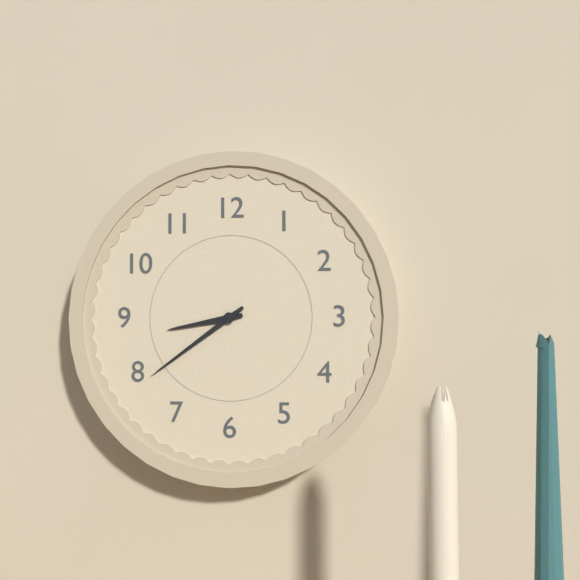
8:39
